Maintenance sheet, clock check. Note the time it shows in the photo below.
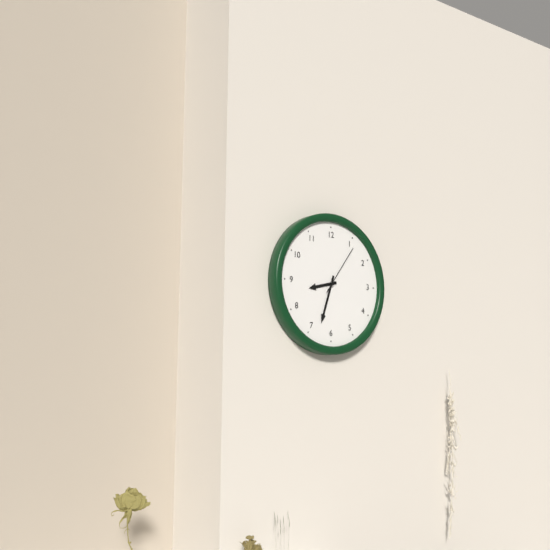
8:33:06
